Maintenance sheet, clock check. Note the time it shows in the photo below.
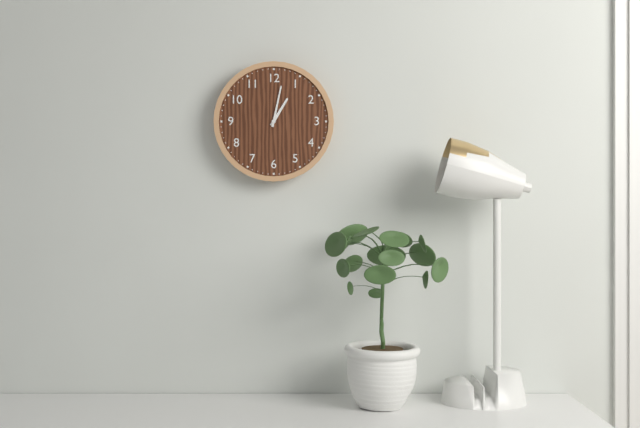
1:02
